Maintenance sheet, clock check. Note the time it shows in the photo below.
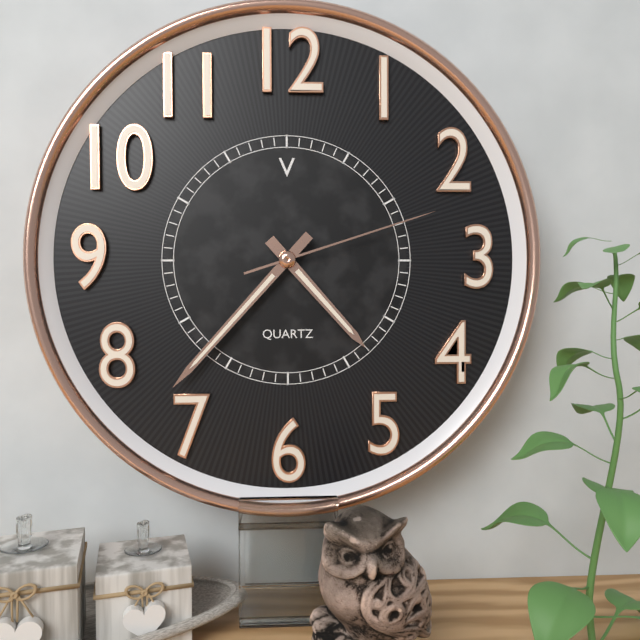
4:37:12
